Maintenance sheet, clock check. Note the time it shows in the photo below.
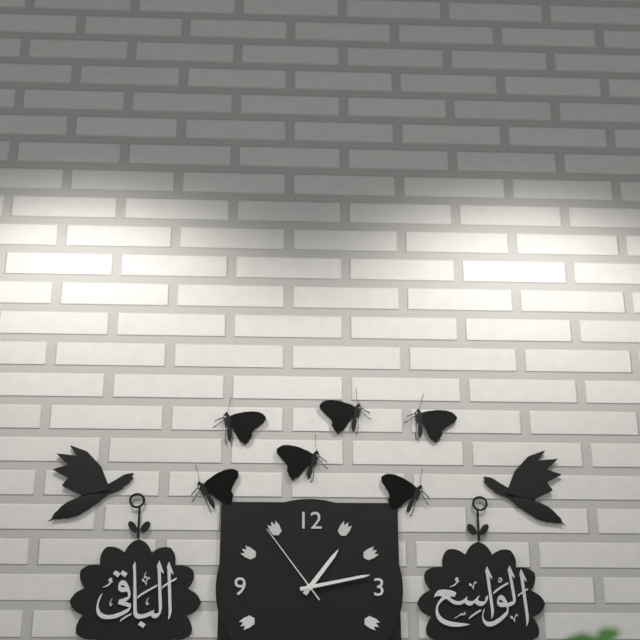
1:13:54
